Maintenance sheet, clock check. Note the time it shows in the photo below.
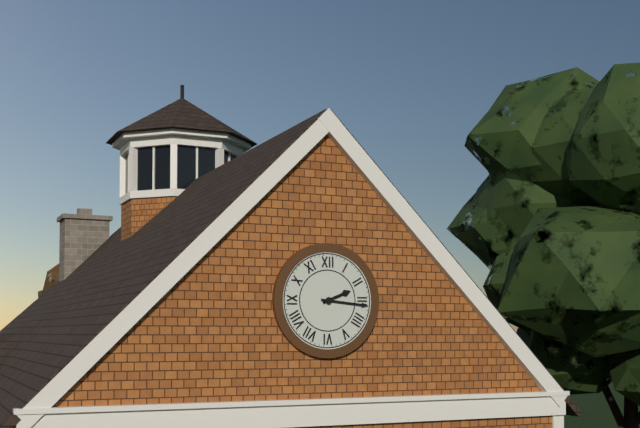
2:16
